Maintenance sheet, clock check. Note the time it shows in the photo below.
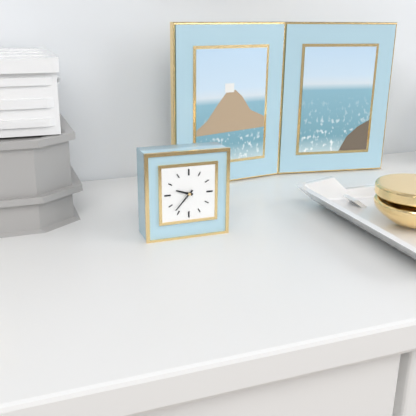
9:37
